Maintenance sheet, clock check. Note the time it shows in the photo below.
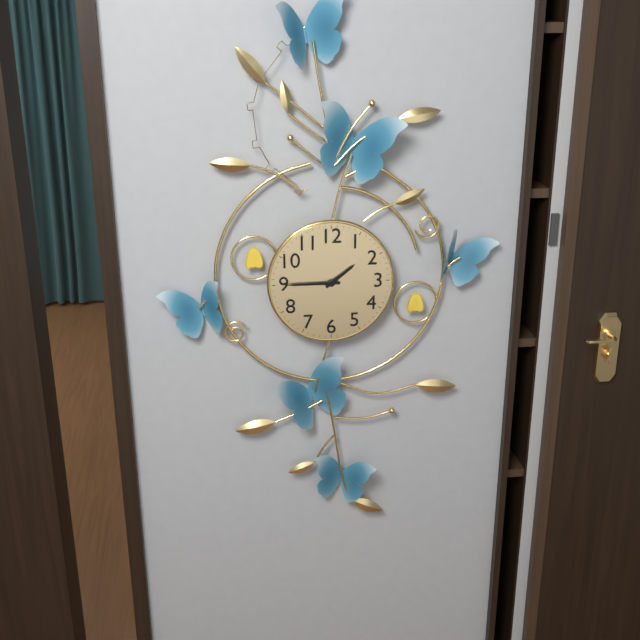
1:45
